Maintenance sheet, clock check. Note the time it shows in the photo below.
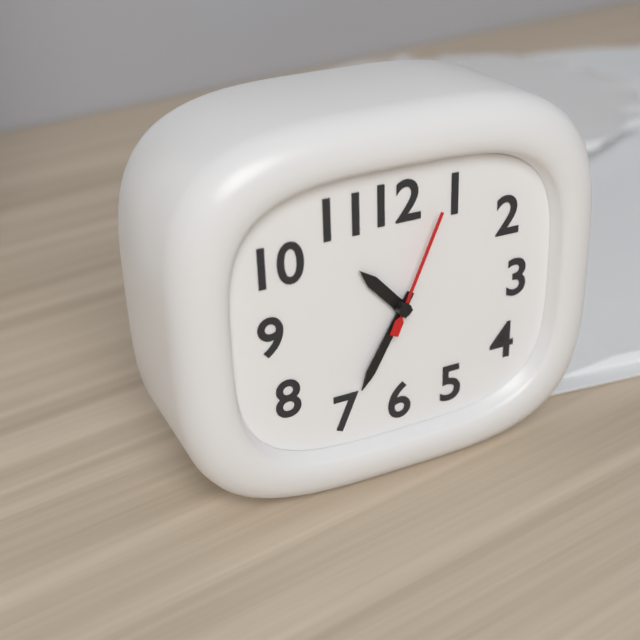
10:35:04
